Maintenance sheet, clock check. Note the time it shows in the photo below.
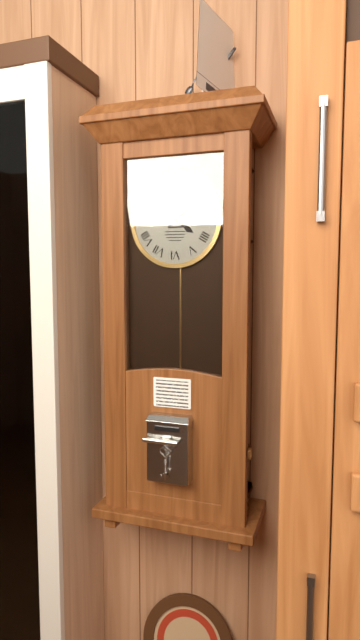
4:09
